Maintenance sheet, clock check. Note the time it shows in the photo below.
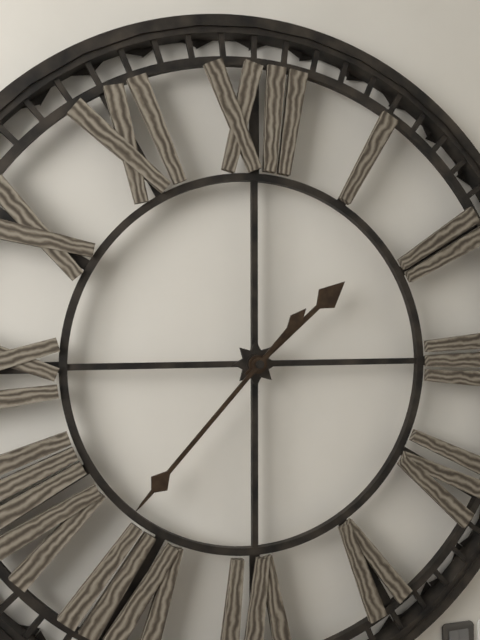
1:37
